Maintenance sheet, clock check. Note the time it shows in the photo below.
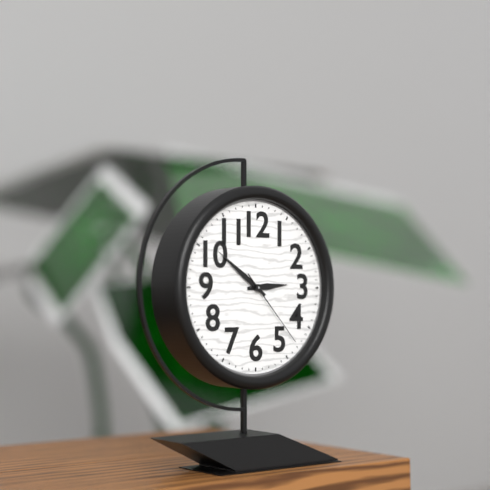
2:51:23
